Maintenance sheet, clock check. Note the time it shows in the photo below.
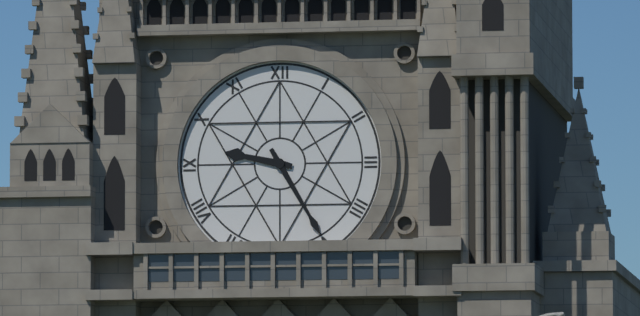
9:25
